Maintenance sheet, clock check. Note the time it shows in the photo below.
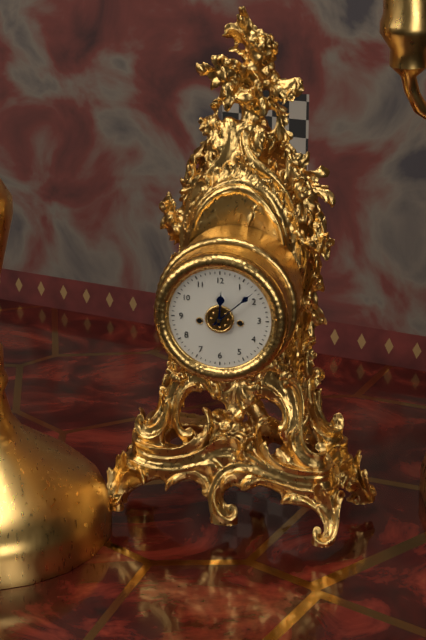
12:08
